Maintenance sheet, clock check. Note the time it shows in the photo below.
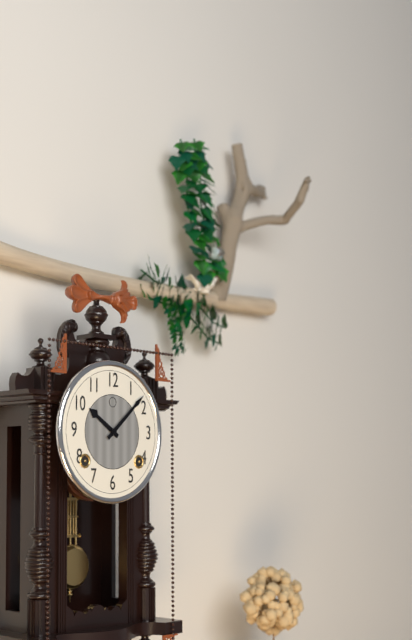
10:08
